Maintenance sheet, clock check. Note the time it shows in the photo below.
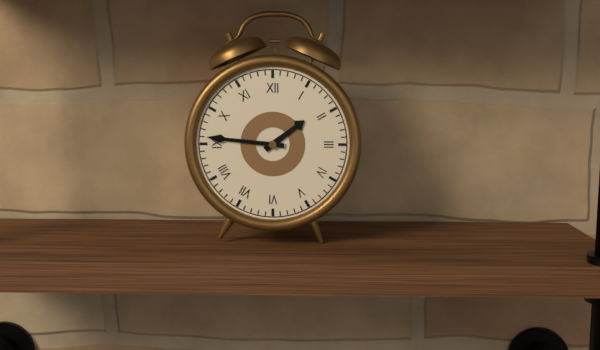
1:46
